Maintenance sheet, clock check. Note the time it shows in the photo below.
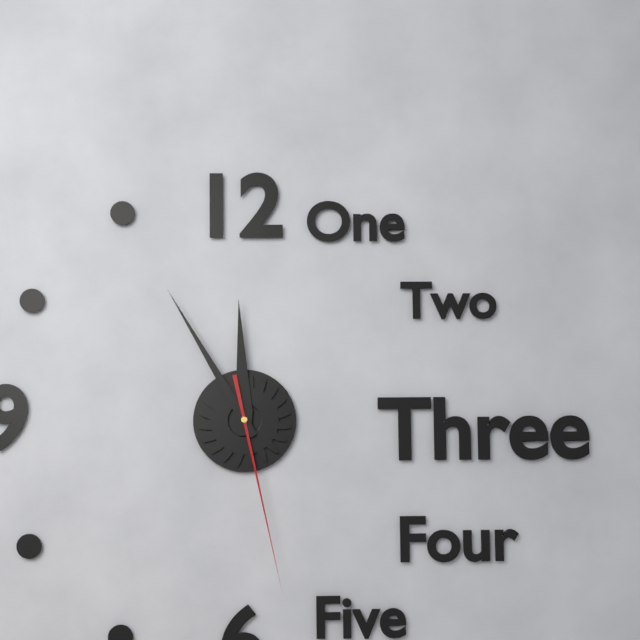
11:55:28
